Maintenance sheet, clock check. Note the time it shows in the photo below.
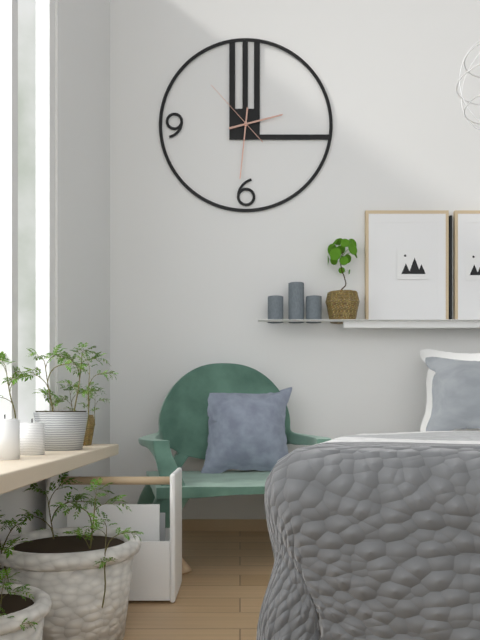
2:31:53
